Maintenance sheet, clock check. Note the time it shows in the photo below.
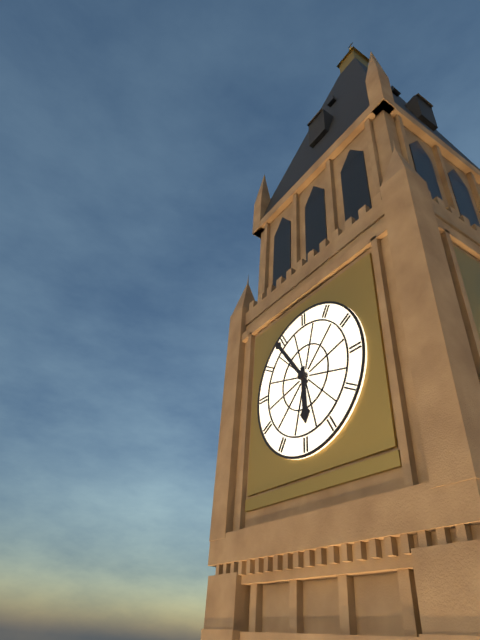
5:54
